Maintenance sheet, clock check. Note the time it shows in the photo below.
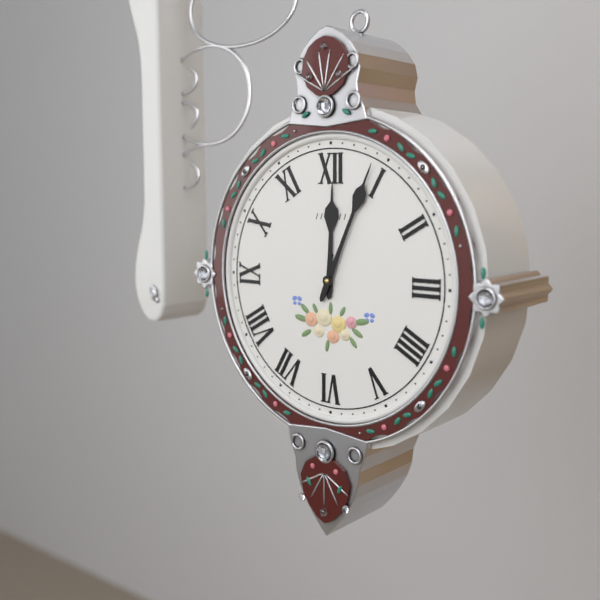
12:04
